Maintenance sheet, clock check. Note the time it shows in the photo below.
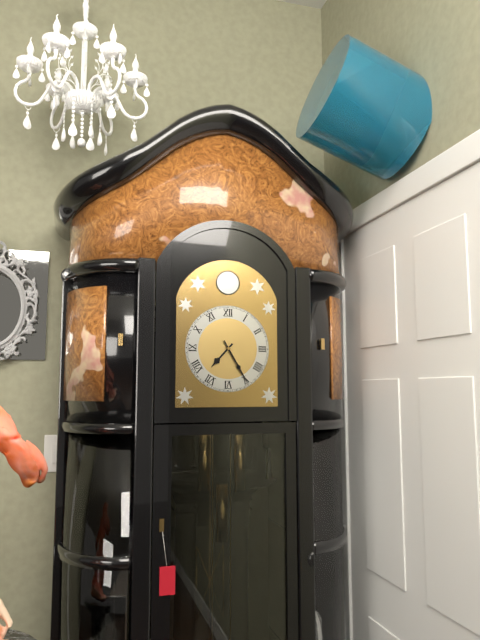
7:25
